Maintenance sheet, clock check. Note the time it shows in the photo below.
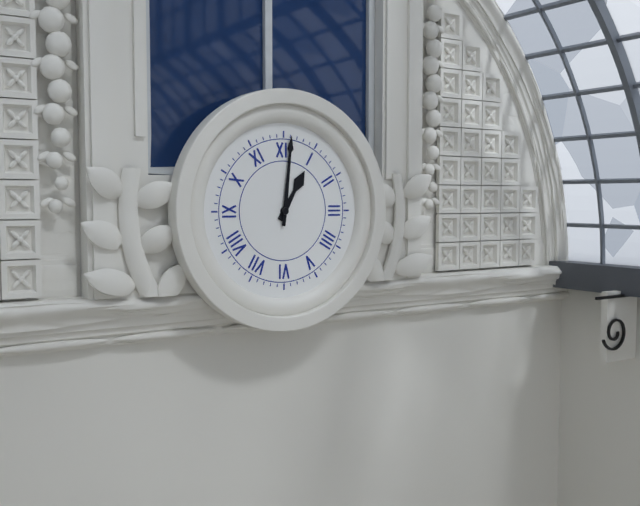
1:01
